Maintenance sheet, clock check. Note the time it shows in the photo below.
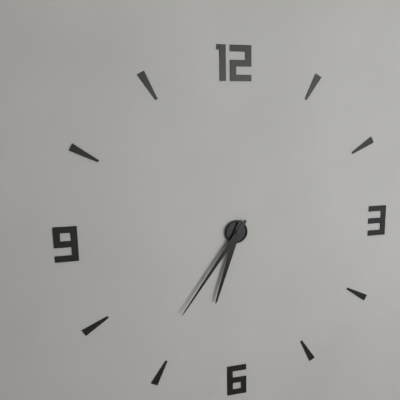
6:36
